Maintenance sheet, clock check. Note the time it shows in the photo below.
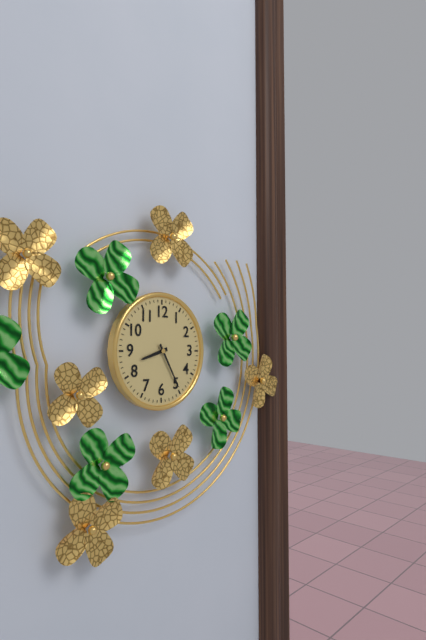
8:25
